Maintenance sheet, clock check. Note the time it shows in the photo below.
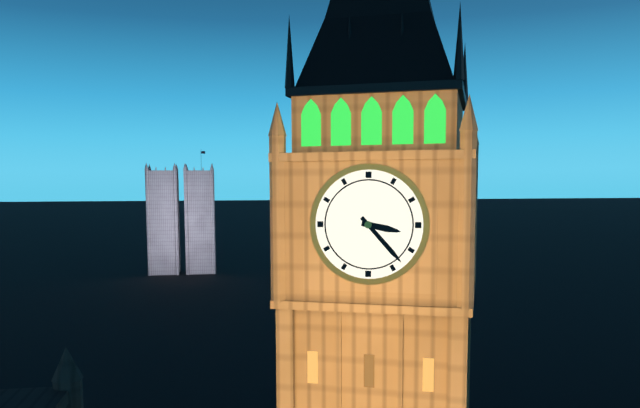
3:23
